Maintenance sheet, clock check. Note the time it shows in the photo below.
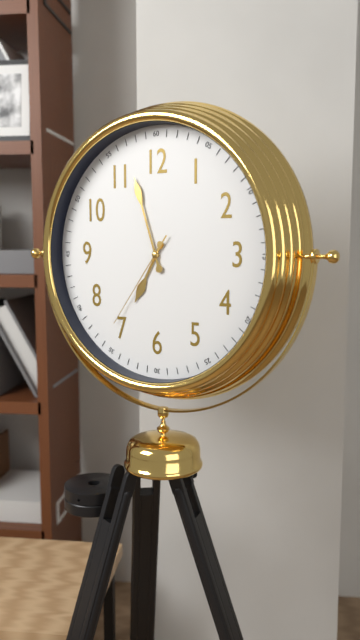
6:57:36
